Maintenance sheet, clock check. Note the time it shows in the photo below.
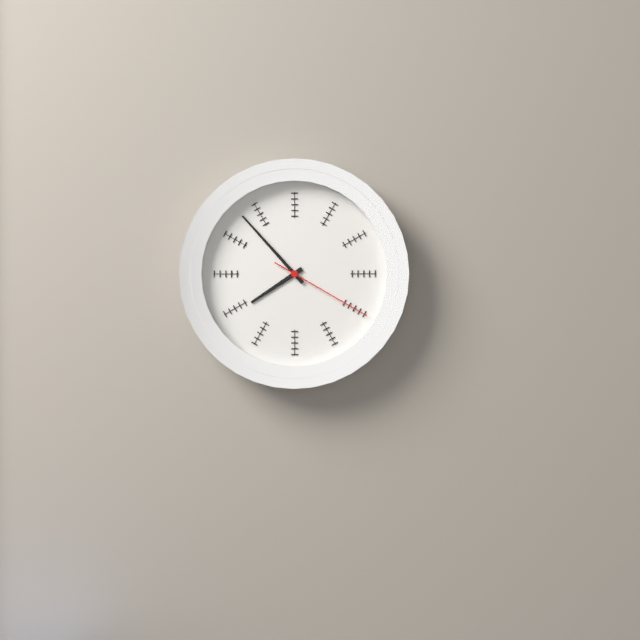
7:53:20
